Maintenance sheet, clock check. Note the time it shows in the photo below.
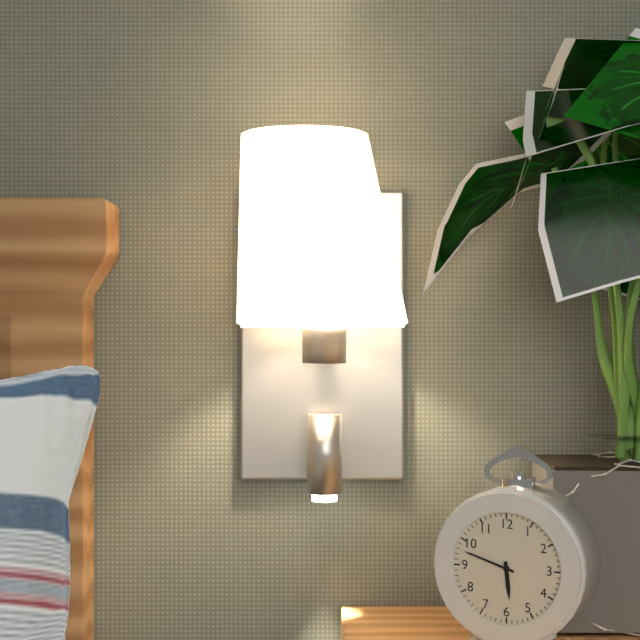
5:48
